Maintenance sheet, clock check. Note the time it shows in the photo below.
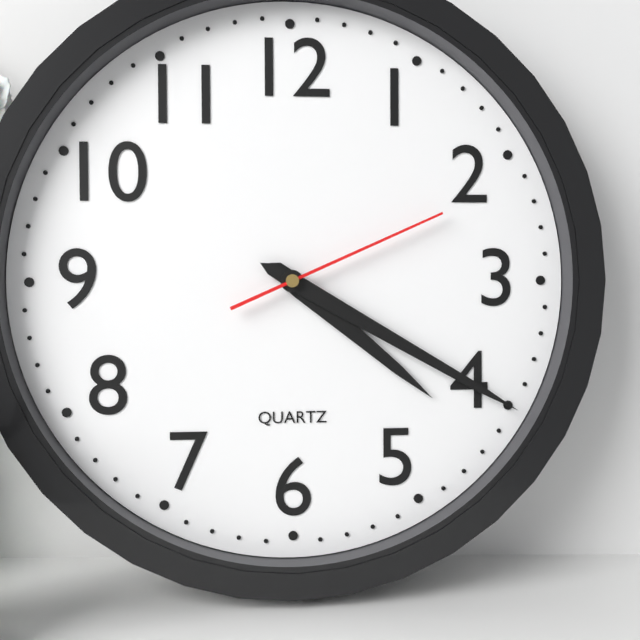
4:20:11
